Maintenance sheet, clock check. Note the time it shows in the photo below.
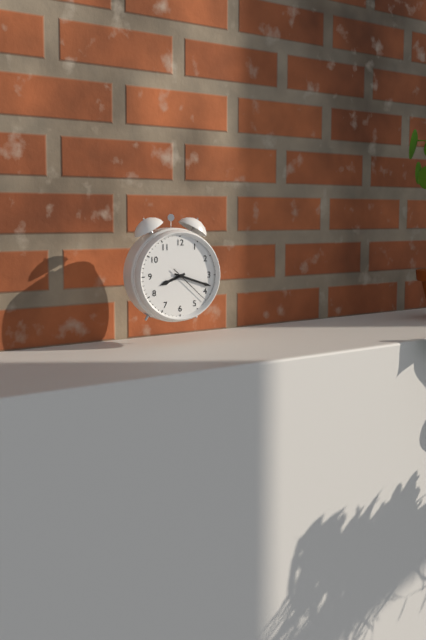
8:18
